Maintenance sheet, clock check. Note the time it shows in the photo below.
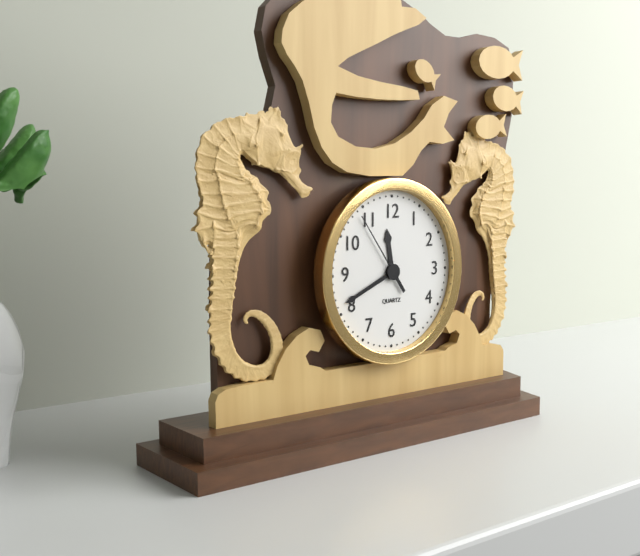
11:41:54
